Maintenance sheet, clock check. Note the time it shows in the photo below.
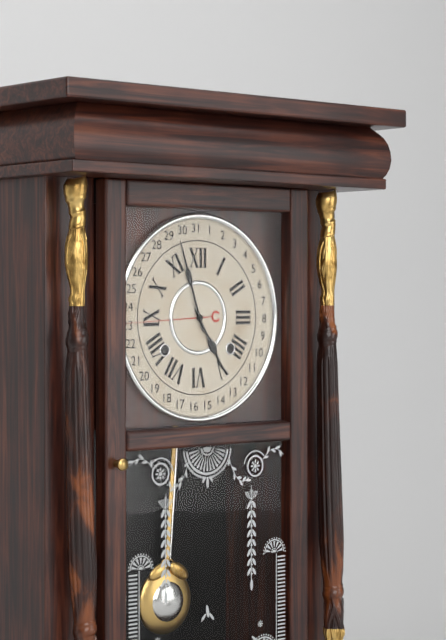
4:57
